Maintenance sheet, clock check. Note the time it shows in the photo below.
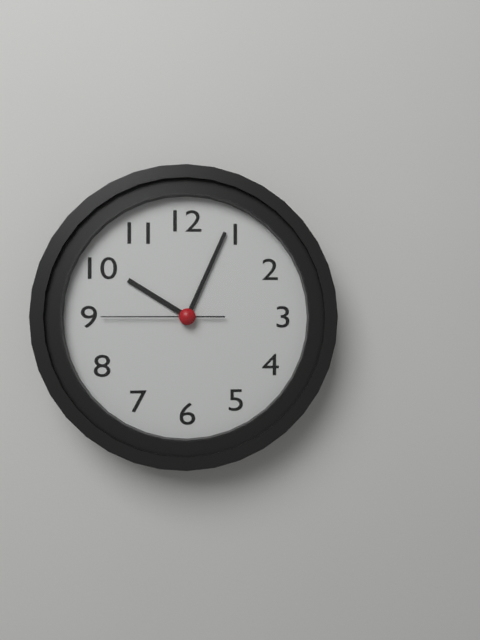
10:04:45
